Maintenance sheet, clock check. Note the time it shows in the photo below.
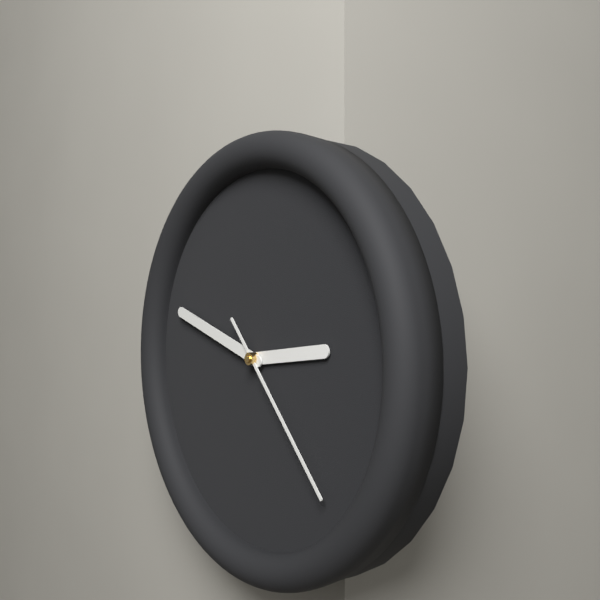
2:48:23
